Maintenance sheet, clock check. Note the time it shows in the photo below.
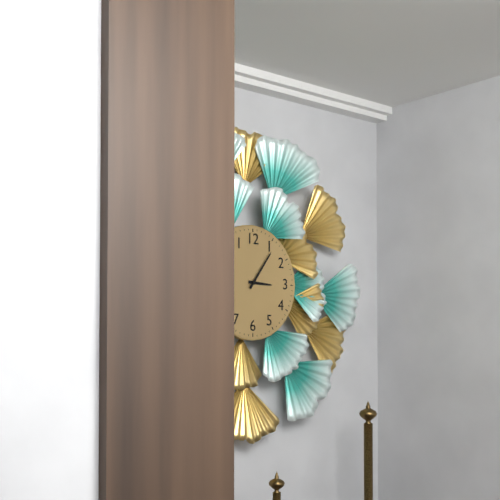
3:06
